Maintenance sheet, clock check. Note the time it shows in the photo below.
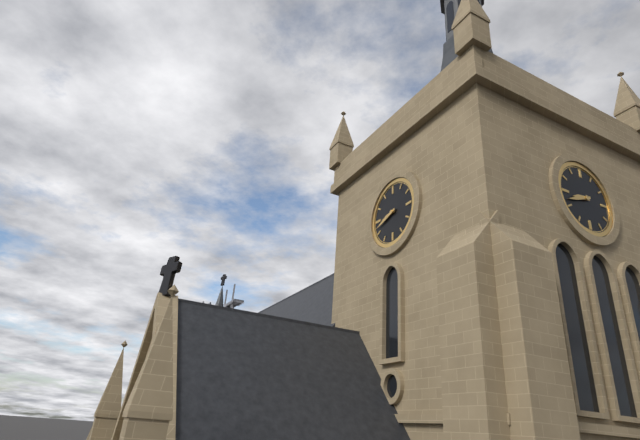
8:42
